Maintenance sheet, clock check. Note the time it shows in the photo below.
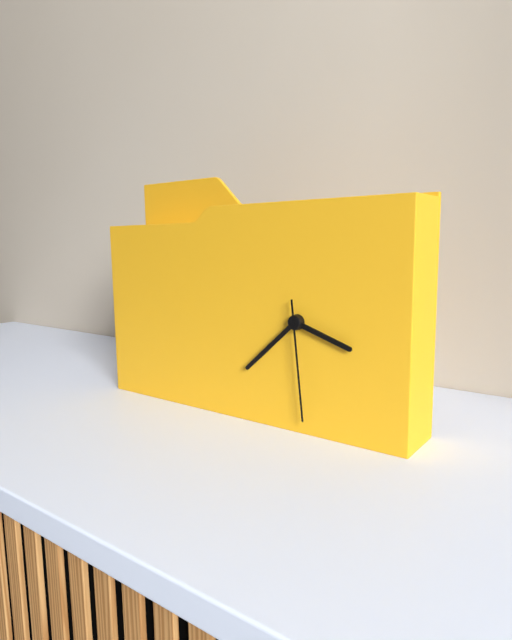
3:38:29
